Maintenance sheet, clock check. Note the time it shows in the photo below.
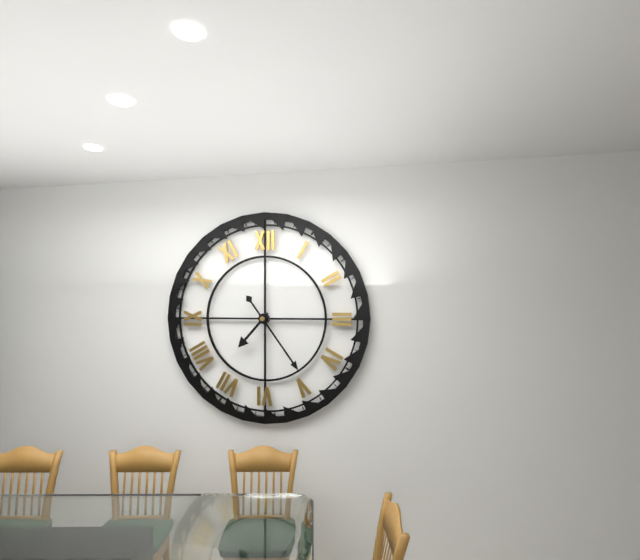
7:24
